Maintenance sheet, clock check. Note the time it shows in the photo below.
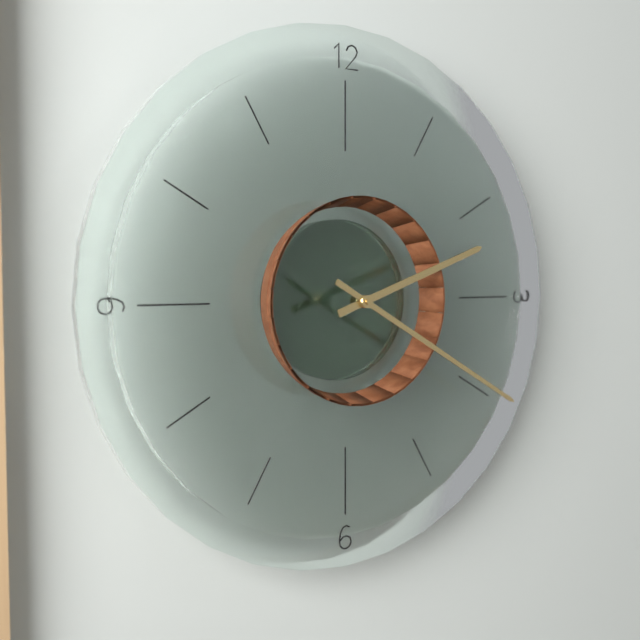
2:20
